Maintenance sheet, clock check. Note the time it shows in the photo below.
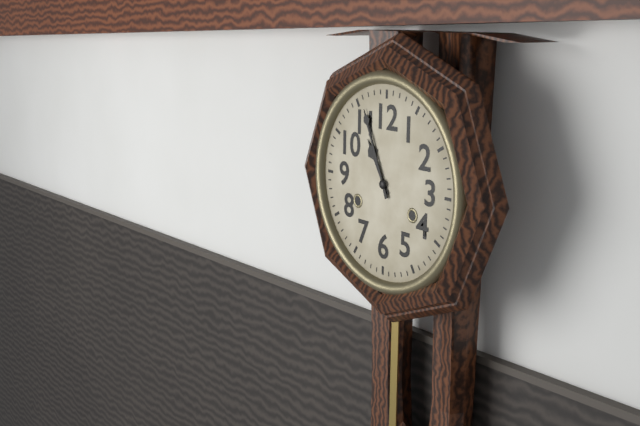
10:56
